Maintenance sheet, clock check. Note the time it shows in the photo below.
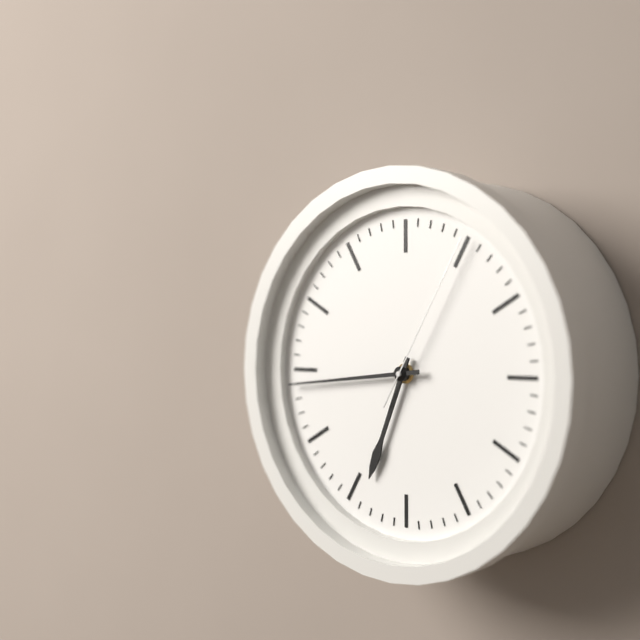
6:44:05
